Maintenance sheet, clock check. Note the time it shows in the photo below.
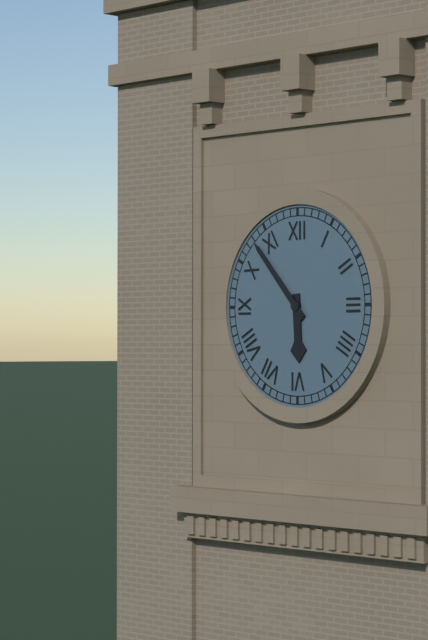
5:53
